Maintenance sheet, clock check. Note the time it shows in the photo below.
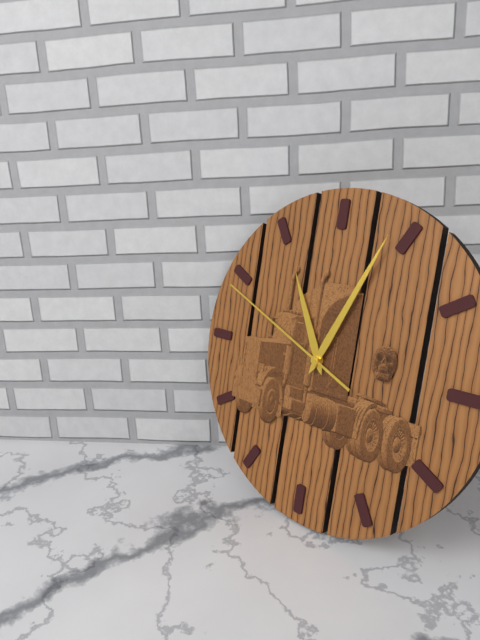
11:04:49
